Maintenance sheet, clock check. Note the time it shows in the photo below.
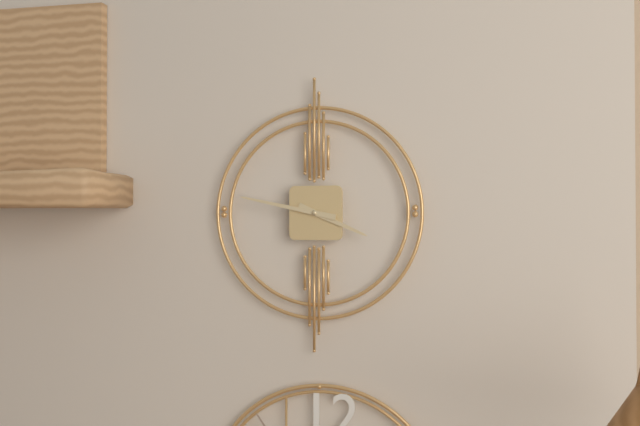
3:47
